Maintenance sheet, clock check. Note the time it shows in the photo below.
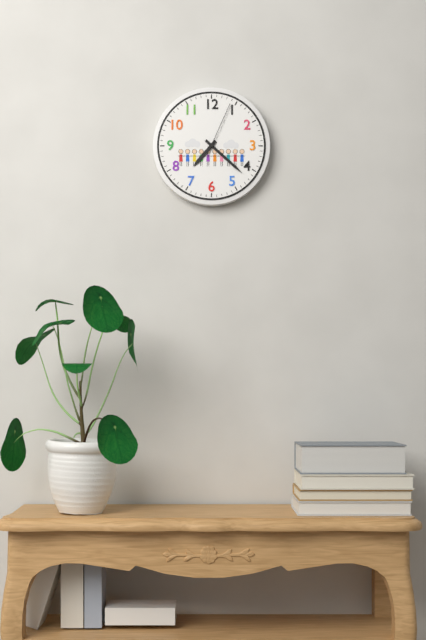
7:22:04
